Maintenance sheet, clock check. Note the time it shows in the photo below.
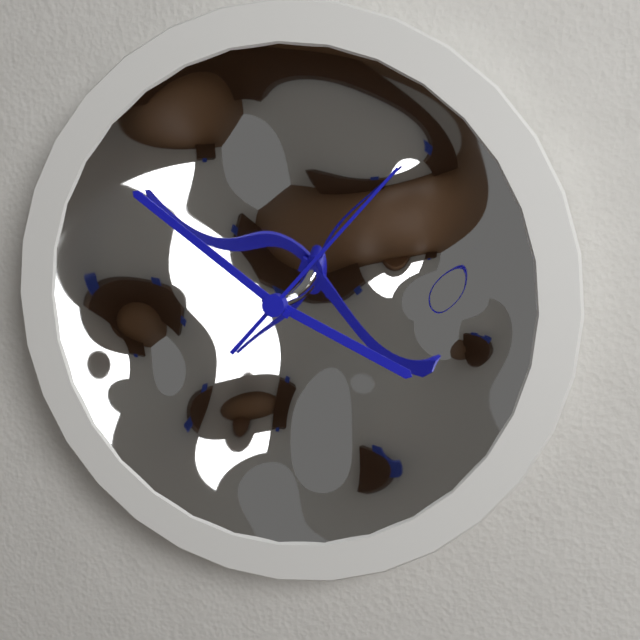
3:51:07
